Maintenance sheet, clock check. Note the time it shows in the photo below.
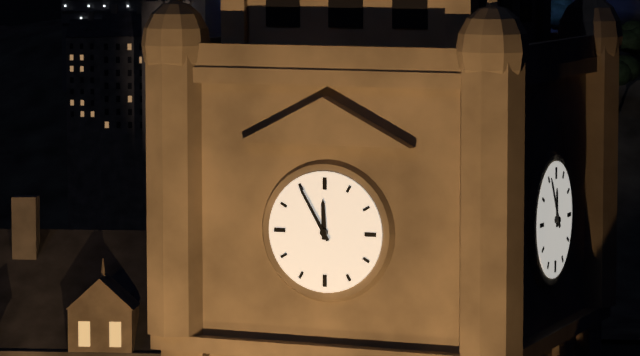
11:55
